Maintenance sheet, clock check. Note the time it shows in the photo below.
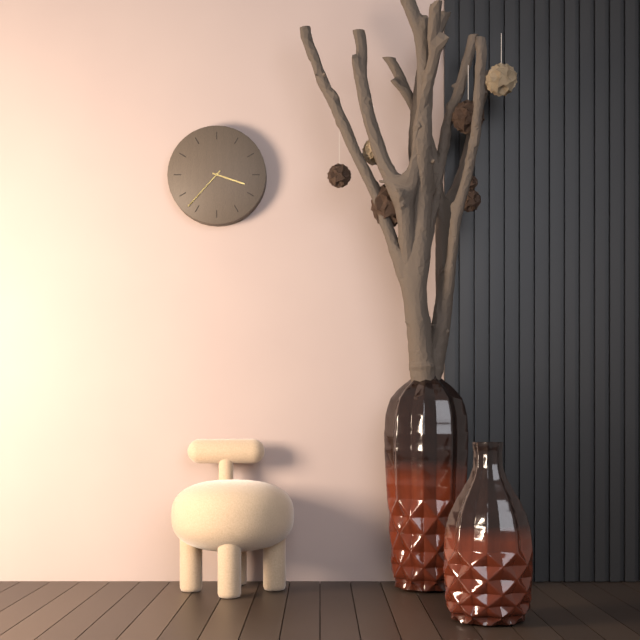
3:37
